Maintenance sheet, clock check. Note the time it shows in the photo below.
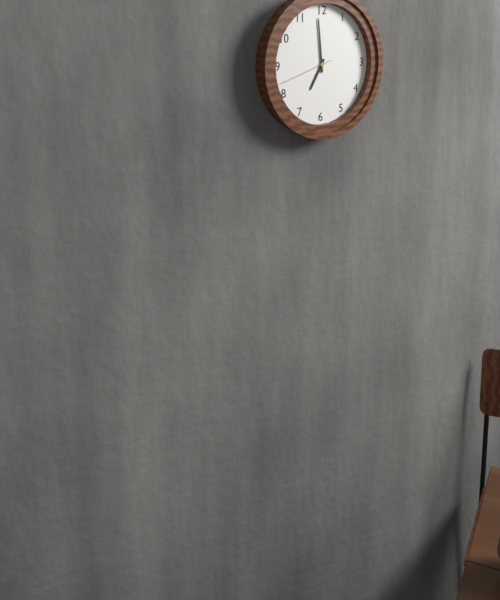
6:59:42
